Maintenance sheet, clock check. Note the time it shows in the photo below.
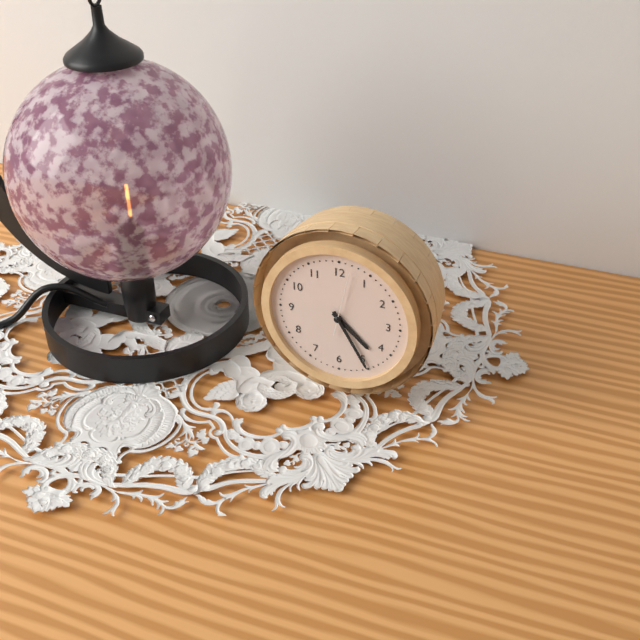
4:25:02
